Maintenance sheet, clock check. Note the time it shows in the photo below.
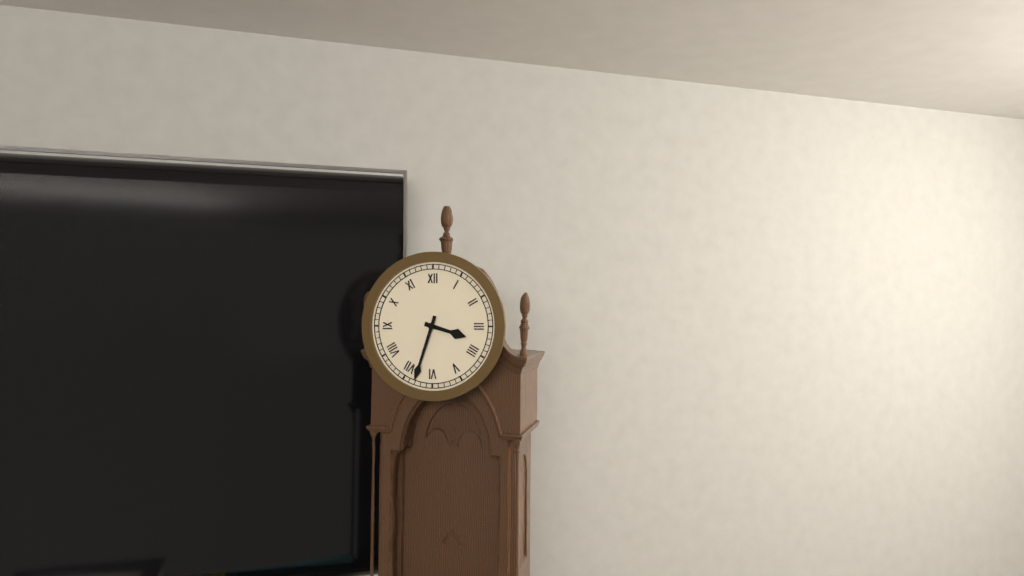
3:33
